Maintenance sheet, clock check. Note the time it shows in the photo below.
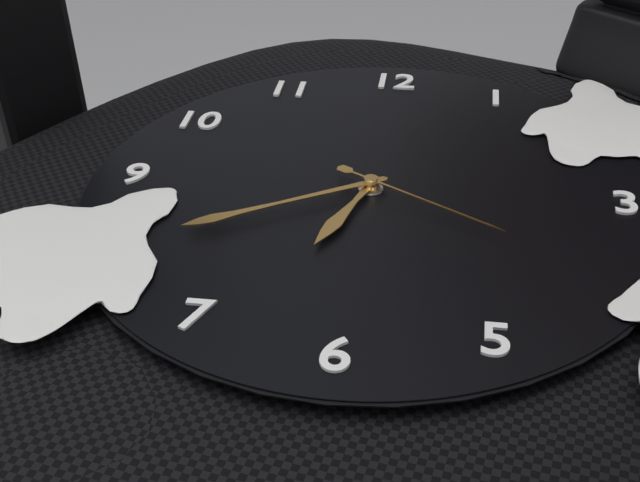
6:40:20
